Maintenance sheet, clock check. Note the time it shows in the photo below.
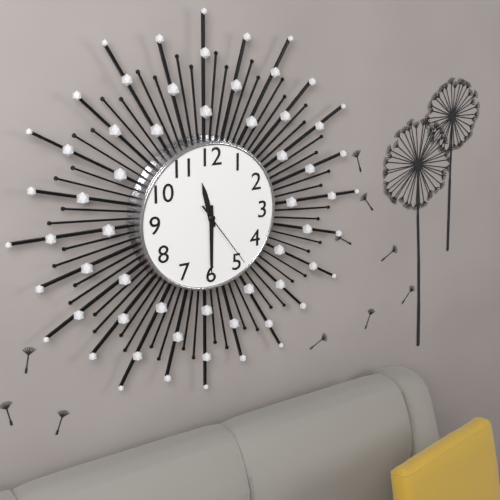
11:30:24
